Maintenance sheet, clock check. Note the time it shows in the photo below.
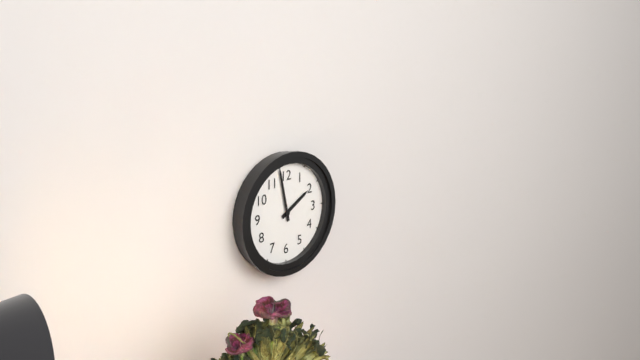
1:58
